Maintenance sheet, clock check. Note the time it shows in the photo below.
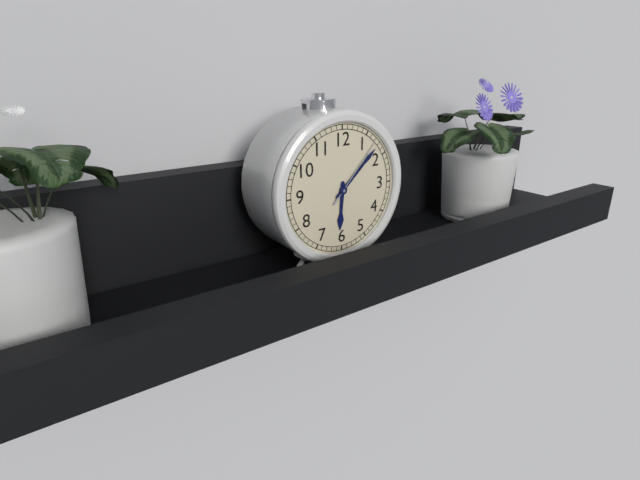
6:08:07
